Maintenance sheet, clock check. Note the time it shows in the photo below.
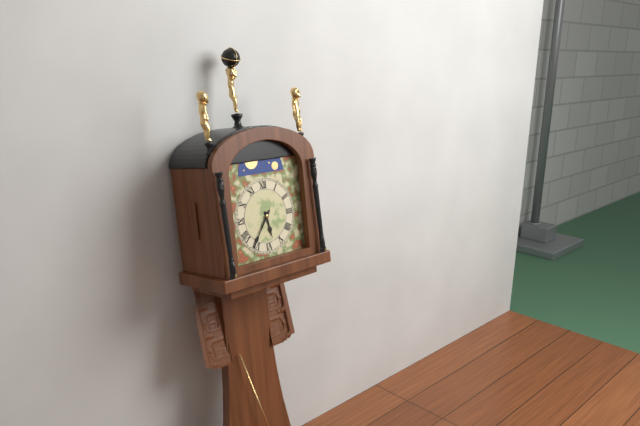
5:36
